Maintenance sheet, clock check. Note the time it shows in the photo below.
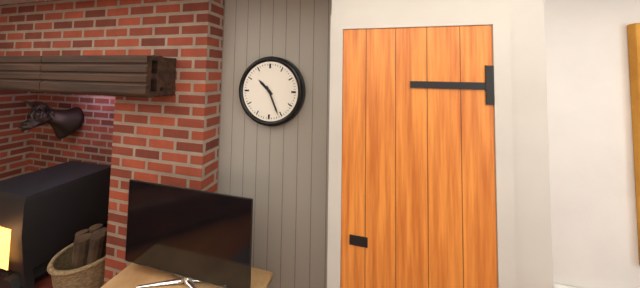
10:26
